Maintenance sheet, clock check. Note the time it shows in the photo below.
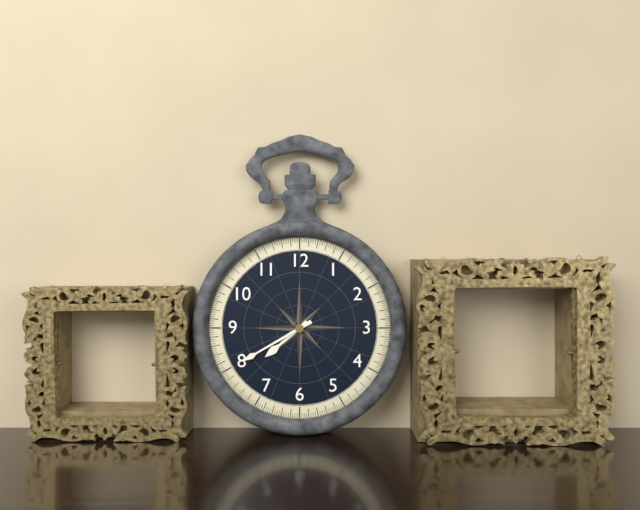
7:40
